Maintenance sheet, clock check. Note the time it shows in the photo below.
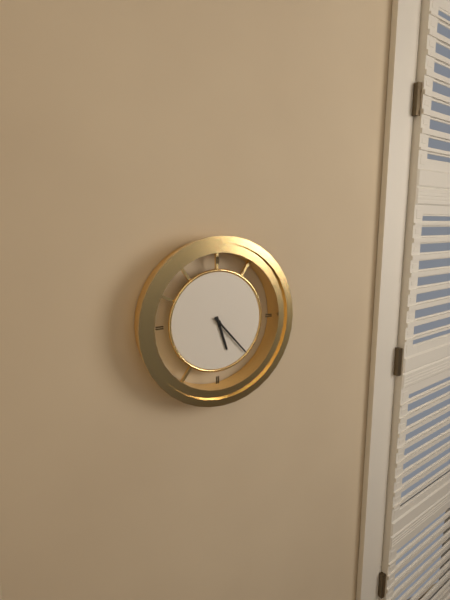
5:23
